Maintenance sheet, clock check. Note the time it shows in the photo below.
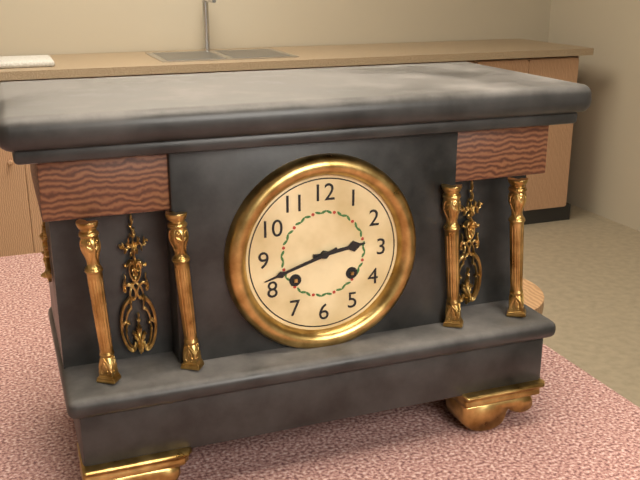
2:42
